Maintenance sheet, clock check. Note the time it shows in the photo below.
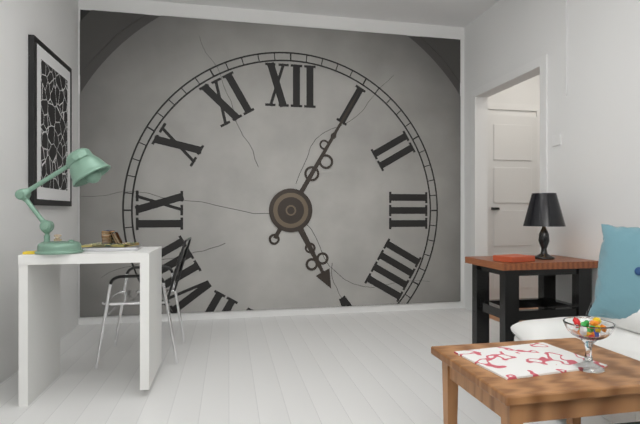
5:05
